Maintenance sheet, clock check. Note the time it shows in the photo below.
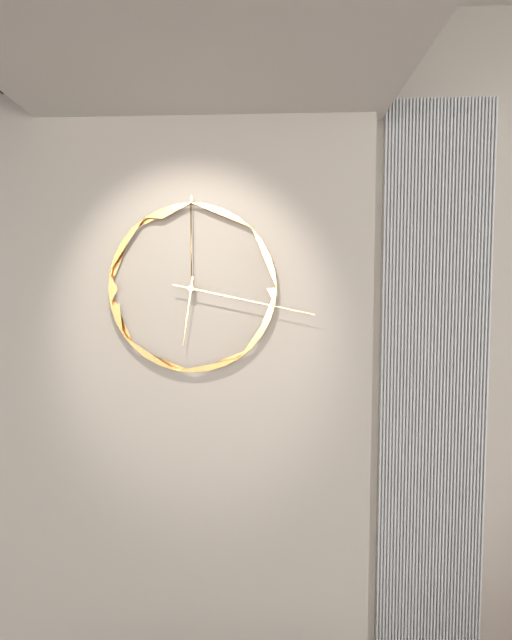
6:17
